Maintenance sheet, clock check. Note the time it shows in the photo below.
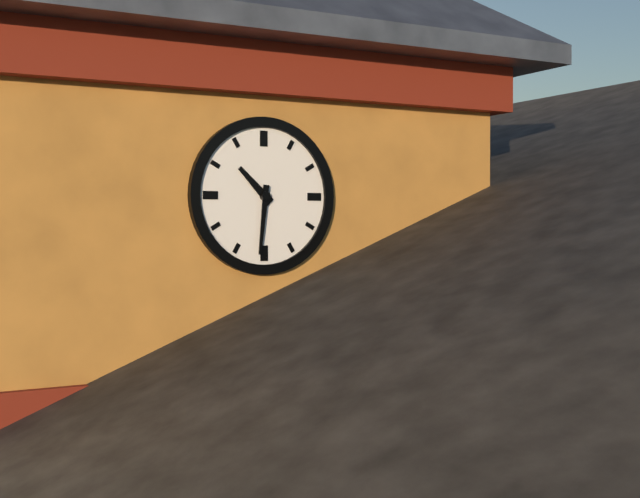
10:31
